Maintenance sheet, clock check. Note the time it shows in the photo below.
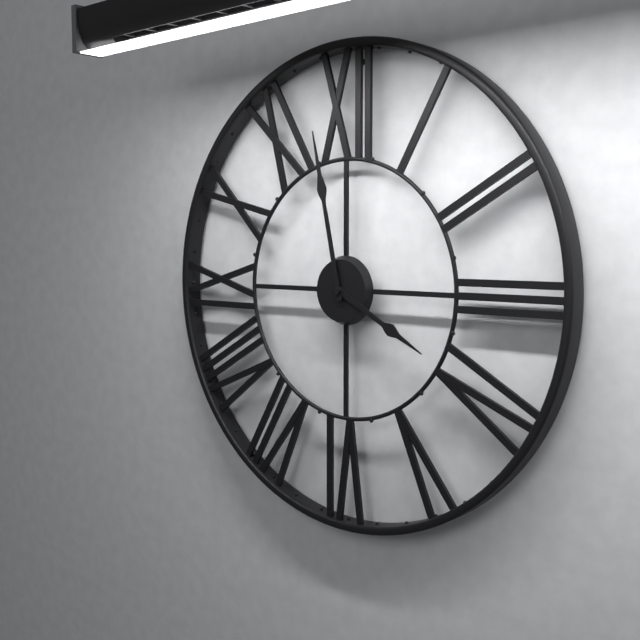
3:58
